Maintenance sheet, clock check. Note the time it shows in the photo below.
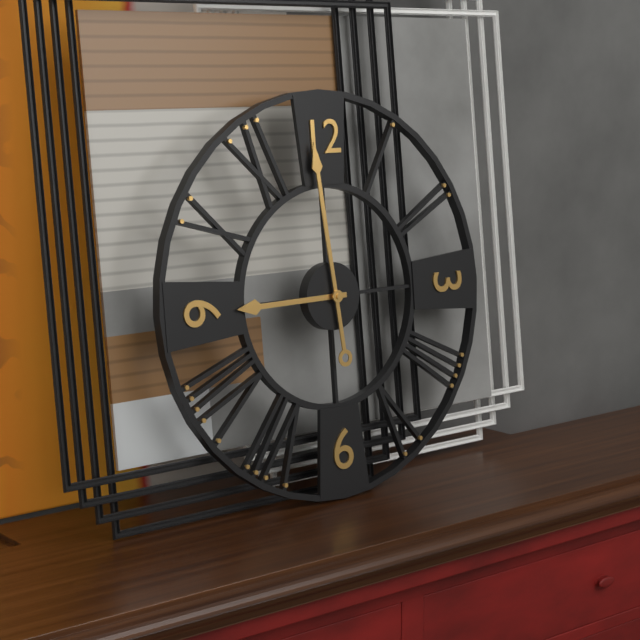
8:59
